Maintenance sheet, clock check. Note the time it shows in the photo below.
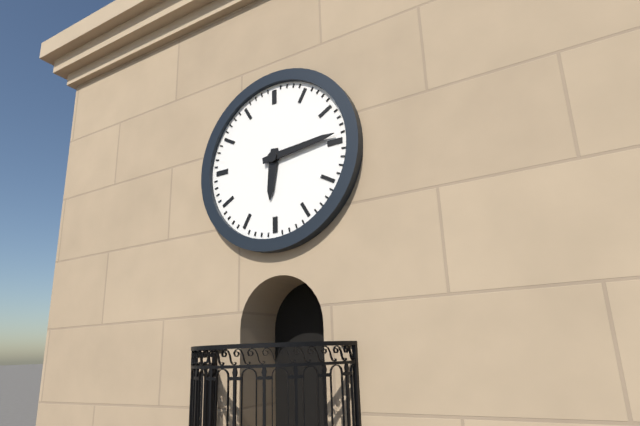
6:14
